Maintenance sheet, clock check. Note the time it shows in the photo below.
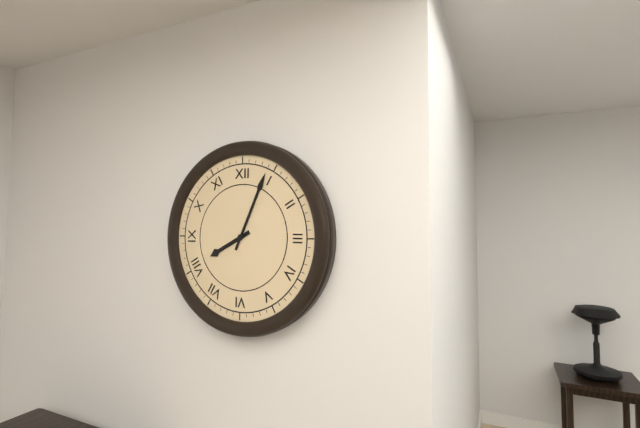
8:04
